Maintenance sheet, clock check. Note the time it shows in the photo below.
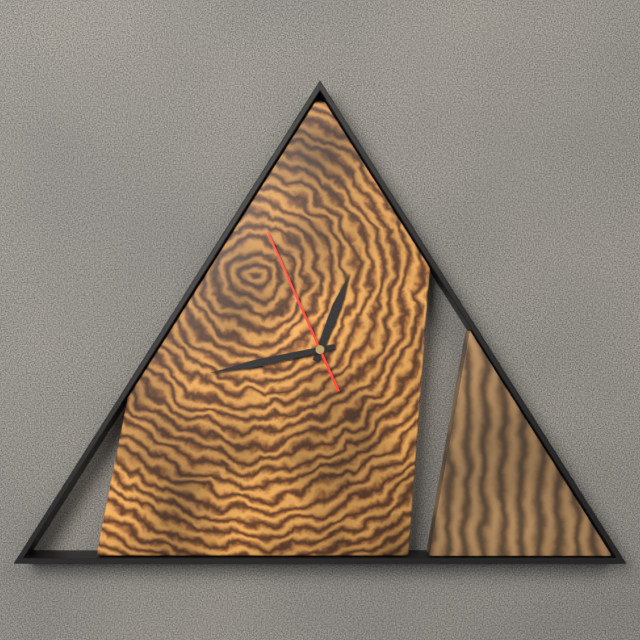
12:43:56
